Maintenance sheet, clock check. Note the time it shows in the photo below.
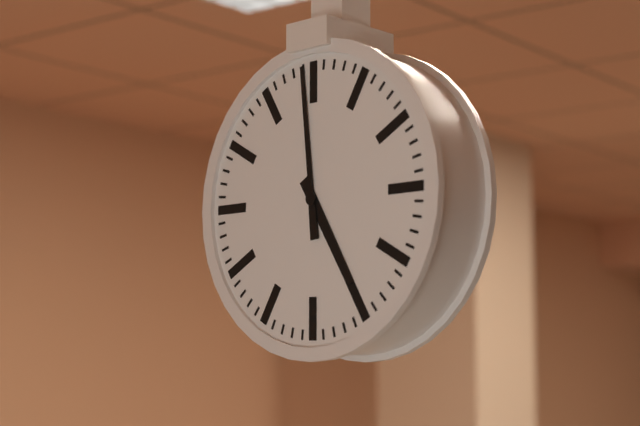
4:59
